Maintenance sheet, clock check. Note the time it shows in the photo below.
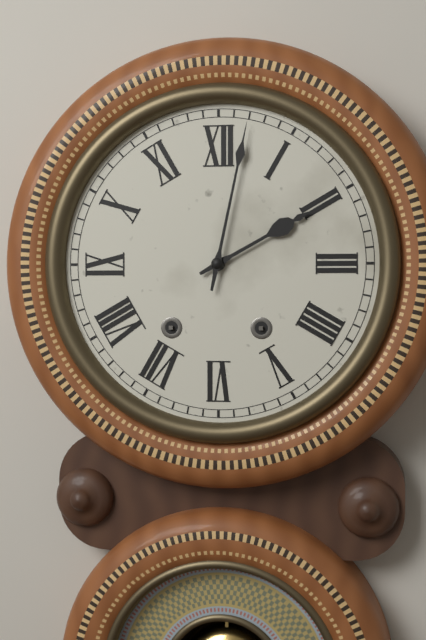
2:02
